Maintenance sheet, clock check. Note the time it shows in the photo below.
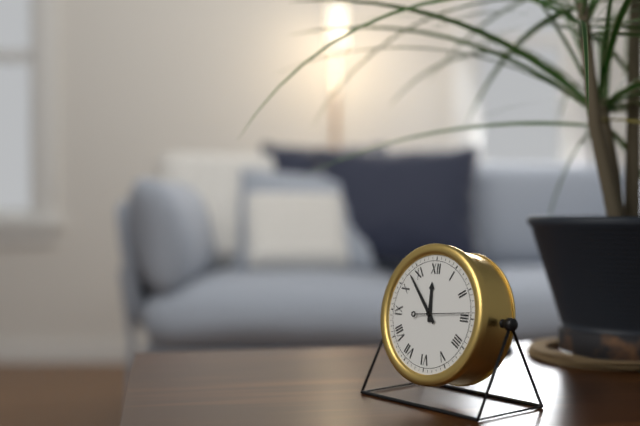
11:53:14
